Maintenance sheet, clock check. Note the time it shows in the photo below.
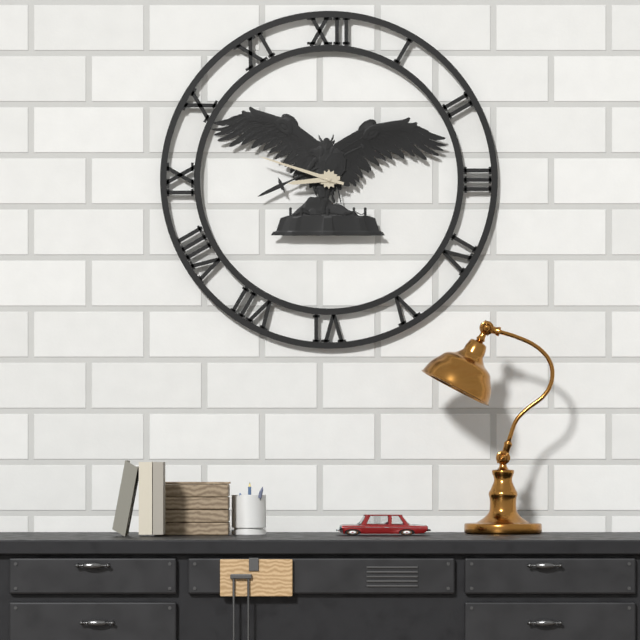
8:48
